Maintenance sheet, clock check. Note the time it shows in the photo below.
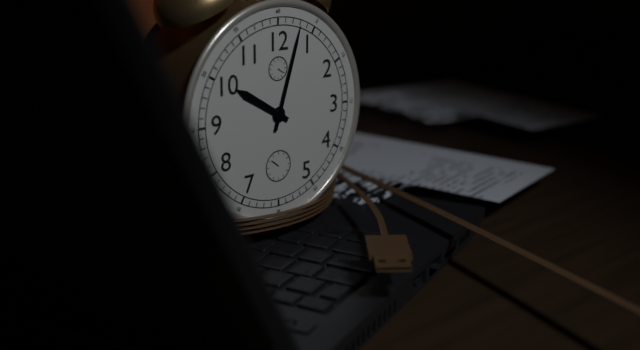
10:03
